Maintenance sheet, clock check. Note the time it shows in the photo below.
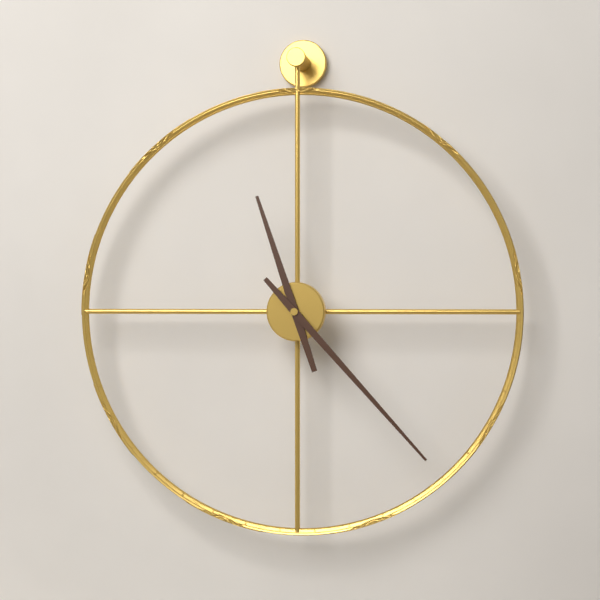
11:23
